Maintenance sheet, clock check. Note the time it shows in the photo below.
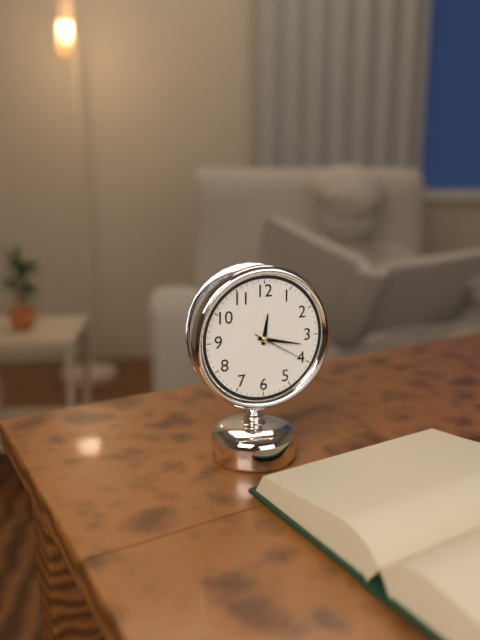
12:17:20
